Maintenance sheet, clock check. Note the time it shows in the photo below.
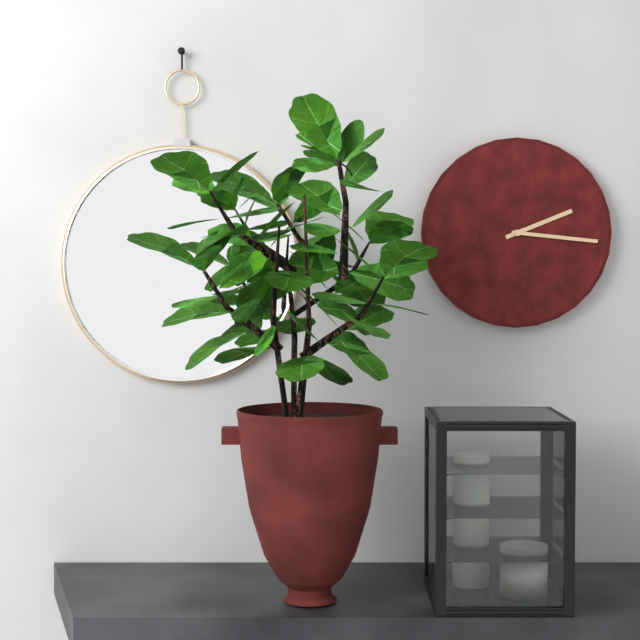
2:16
